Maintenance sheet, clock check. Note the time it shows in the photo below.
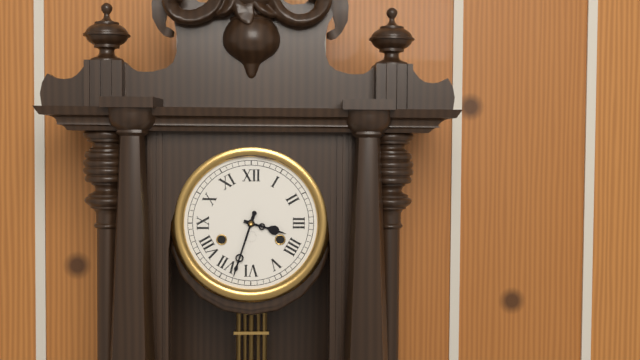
3:33
